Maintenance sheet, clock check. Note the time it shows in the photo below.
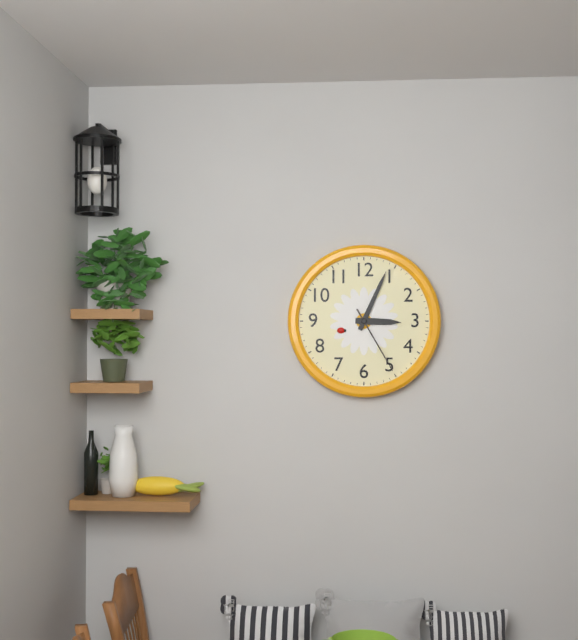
3:04:25
